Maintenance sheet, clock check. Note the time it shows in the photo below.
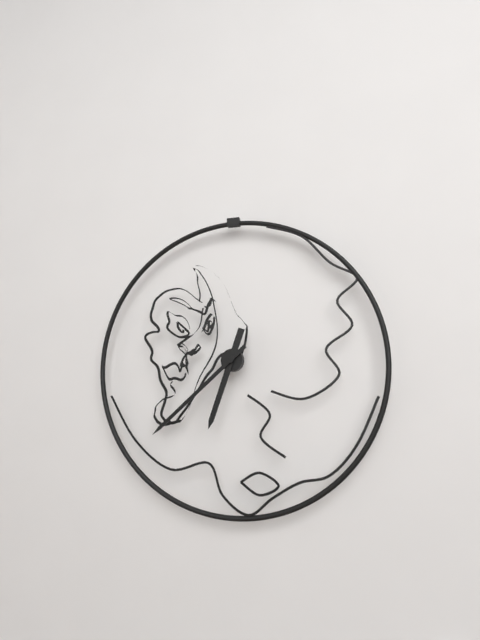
6:38
